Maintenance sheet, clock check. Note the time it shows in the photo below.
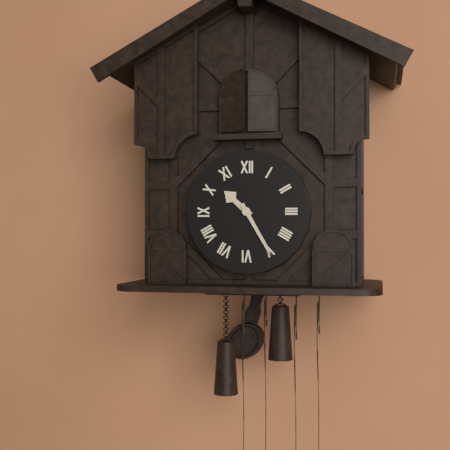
10:25
